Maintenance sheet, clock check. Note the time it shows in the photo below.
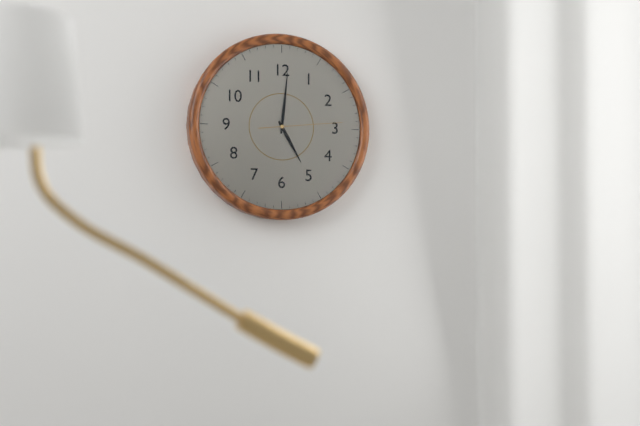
5:01:14
